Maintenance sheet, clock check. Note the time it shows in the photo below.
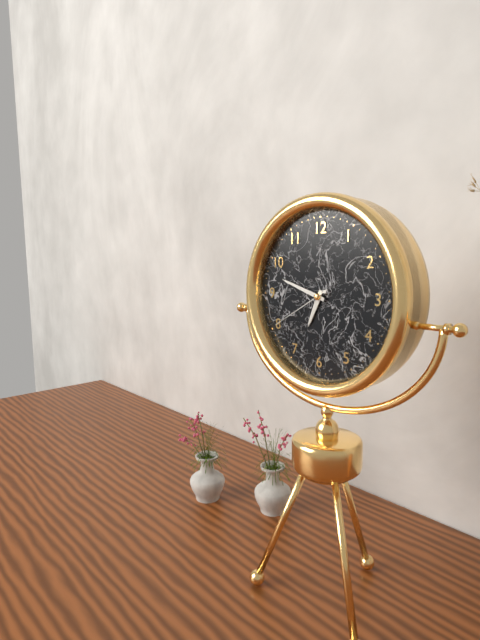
6:48:40
